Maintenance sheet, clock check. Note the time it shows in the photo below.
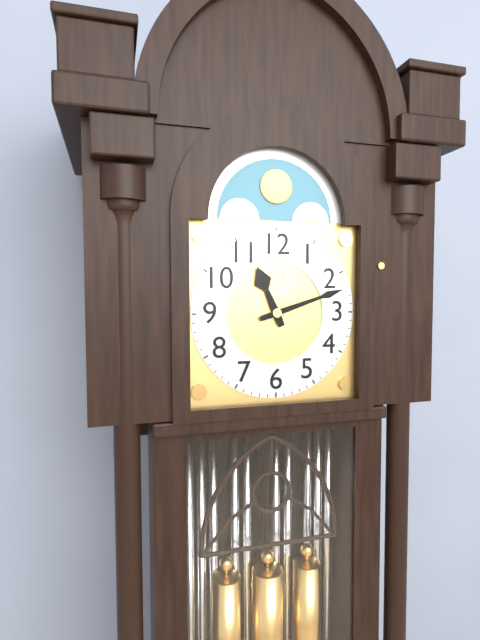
11:12
